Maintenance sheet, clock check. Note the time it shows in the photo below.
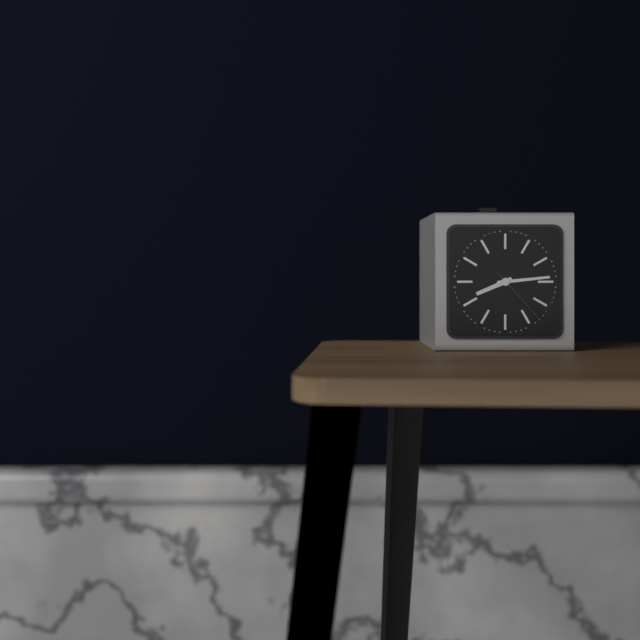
8:14:23
